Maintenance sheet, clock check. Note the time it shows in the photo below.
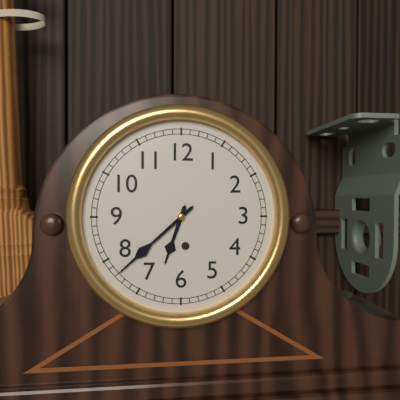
6:38
